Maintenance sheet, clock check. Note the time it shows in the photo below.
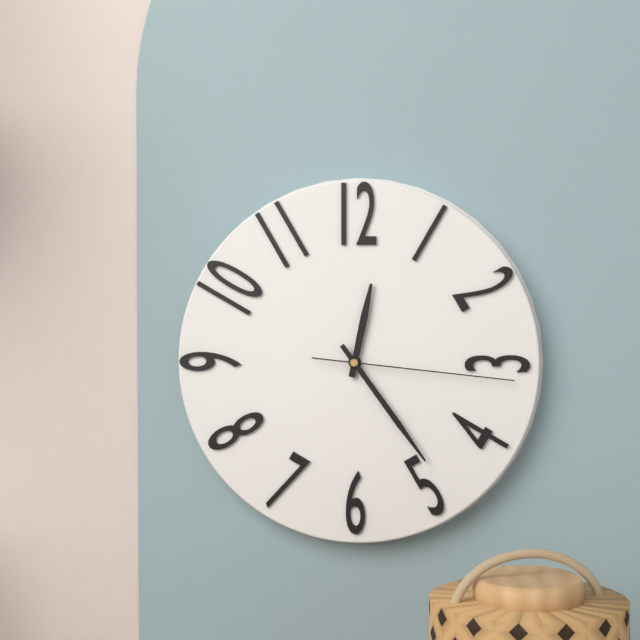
12:24:16
